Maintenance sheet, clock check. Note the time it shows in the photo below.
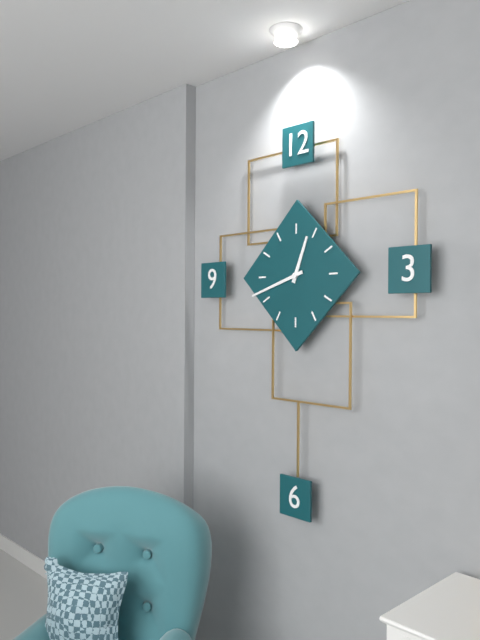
12:42
